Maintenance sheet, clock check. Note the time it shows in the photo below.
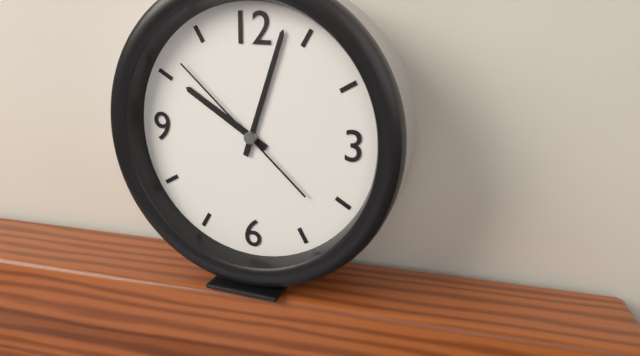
10:03:52
